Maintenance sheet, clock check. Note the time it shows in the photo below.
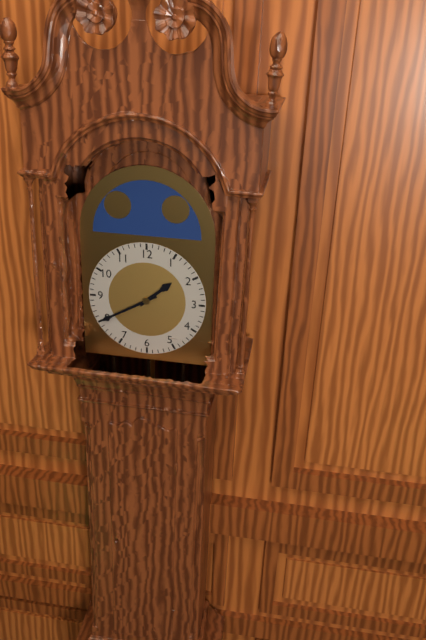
1:40
